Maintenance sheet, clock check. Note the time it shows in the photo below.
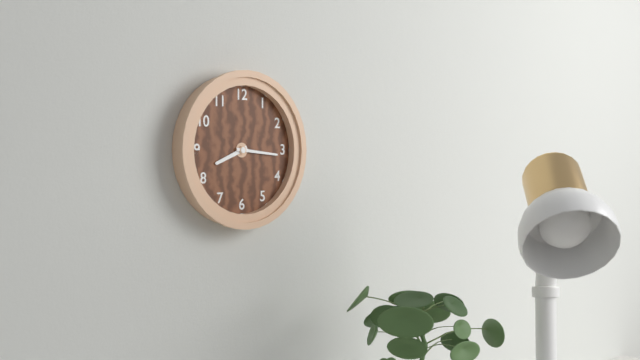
8:16
